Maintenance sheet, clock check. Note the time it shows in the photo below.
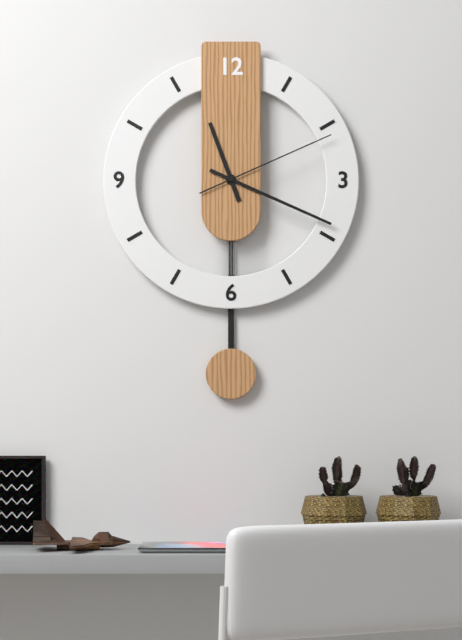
11:19:11
